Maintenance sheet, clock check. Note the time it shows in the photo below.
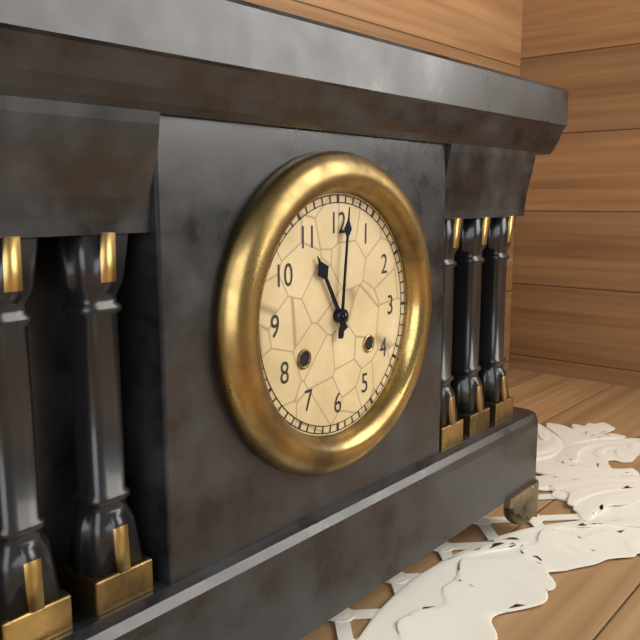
11:01
